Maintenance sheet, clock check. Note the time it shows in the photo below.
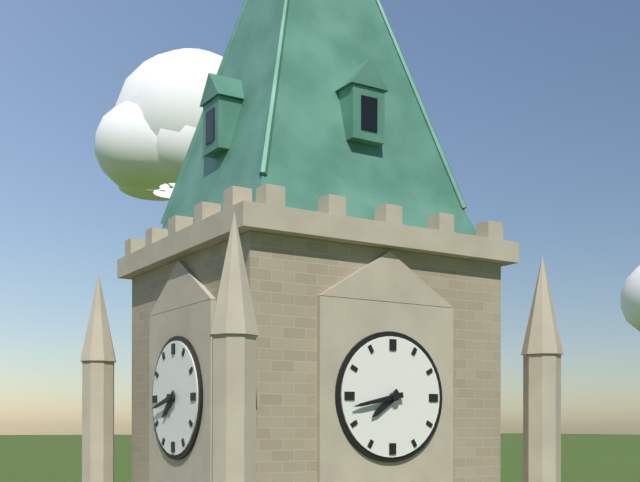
7:43
